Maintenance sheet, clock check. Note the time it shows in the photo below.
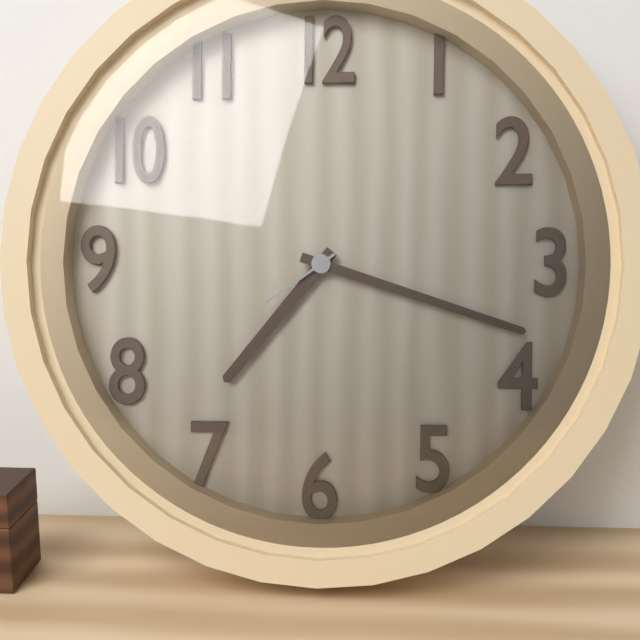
7:18:39
